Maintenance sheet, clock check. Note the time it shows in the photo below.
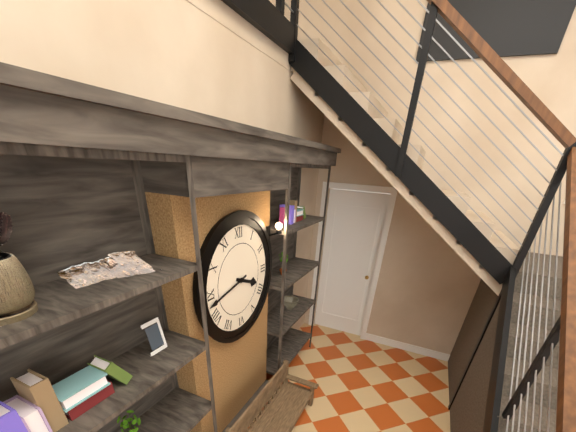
3:43
